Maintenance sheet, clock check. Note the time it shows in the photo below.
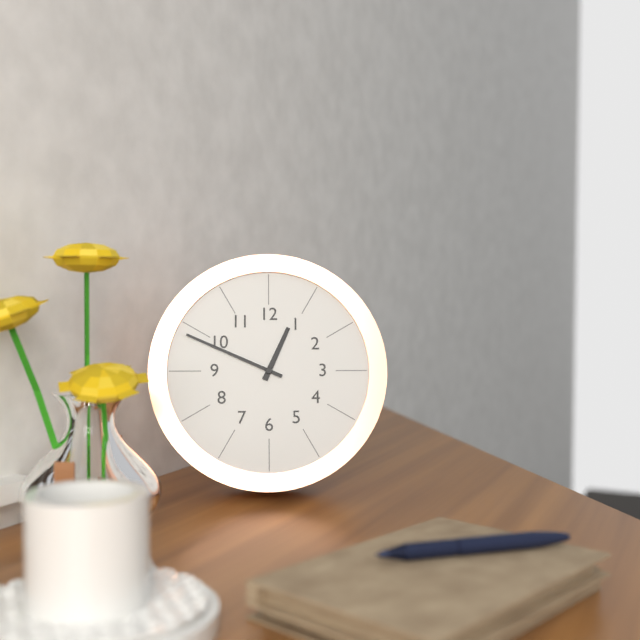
12:49
